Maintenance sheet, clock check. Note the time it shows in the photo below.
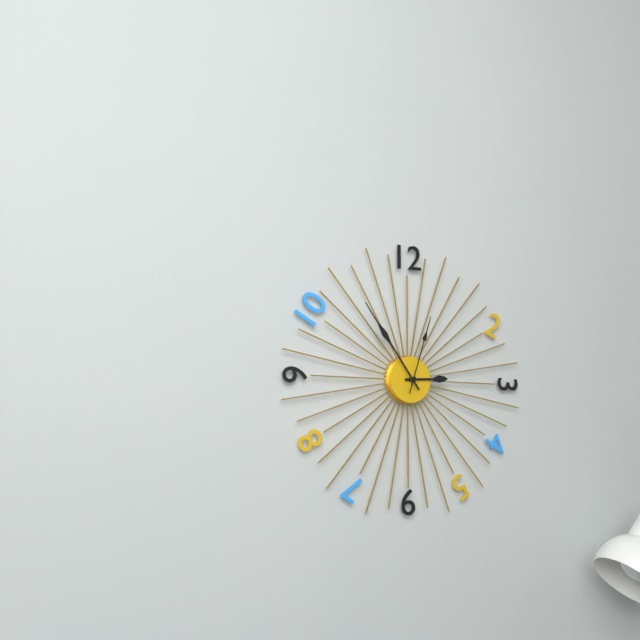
2:54:03
